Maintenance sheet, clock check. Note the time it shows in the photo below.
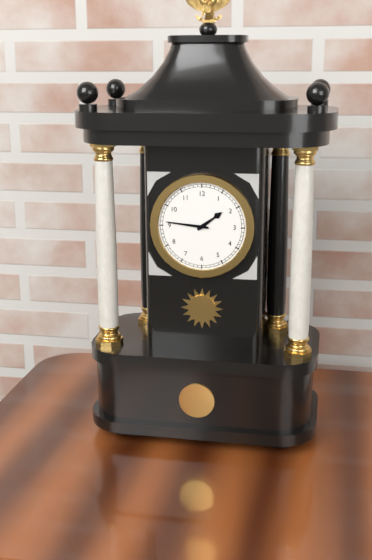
1:46
